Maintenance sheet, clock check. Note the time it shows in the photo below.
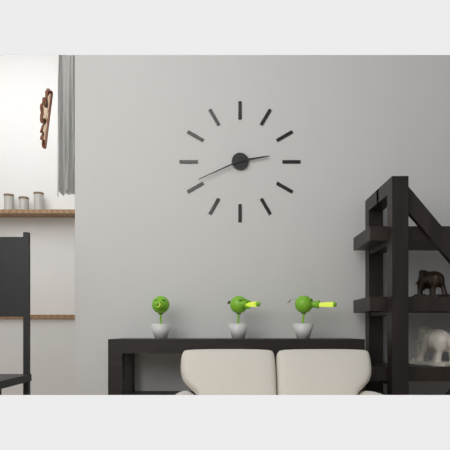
2:41
